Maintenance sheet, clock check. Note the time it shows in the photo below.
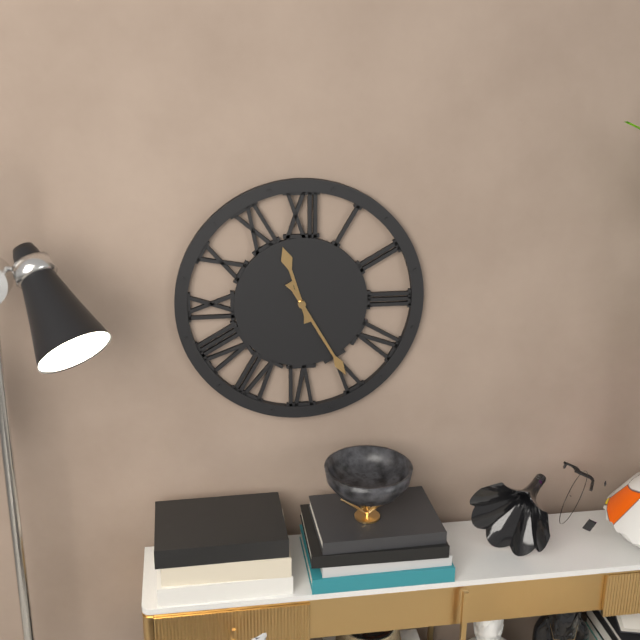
11:25
